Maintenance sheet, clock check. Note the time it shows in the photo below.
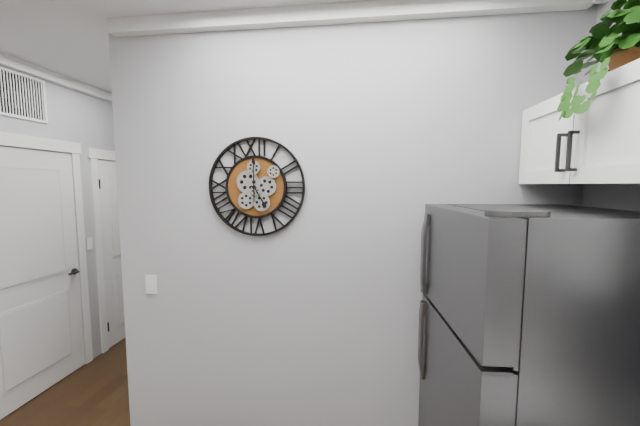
5:00
